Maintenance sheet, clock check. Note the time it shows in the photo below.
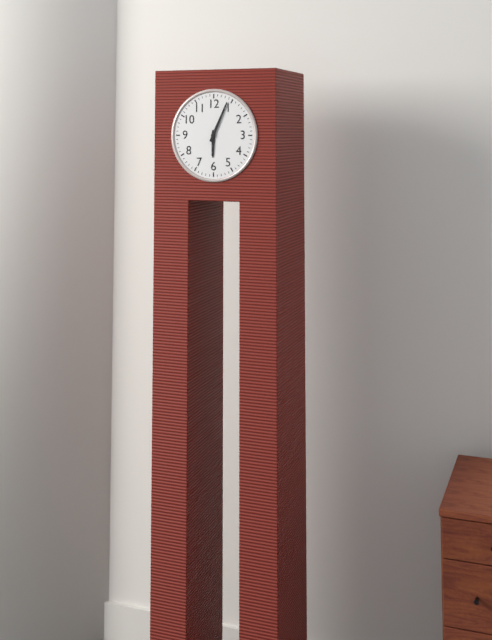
6:04
